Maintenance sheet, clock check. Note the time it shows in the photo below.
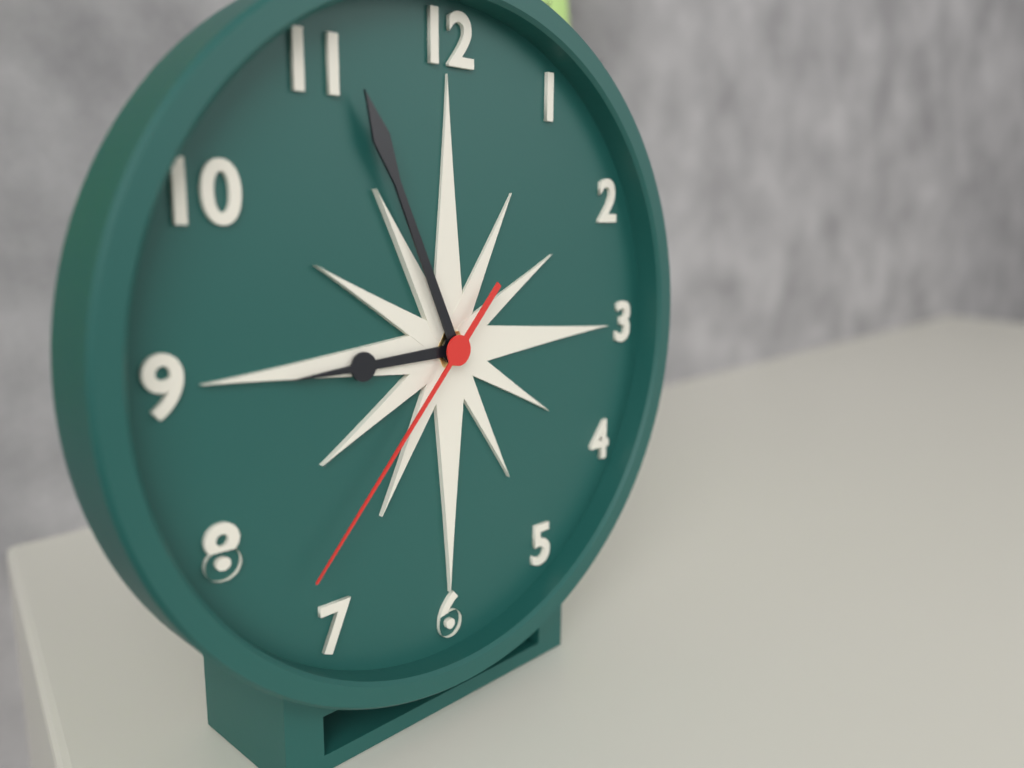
8:56:37
